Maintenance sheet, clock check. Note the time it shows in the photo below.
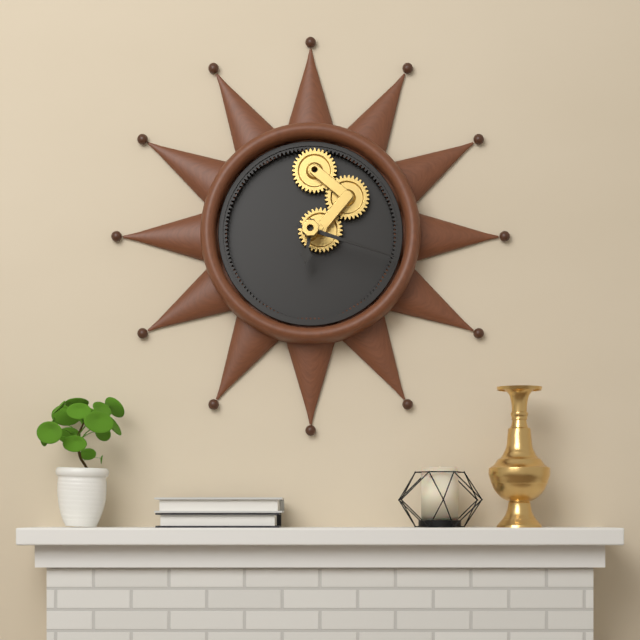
6:18
